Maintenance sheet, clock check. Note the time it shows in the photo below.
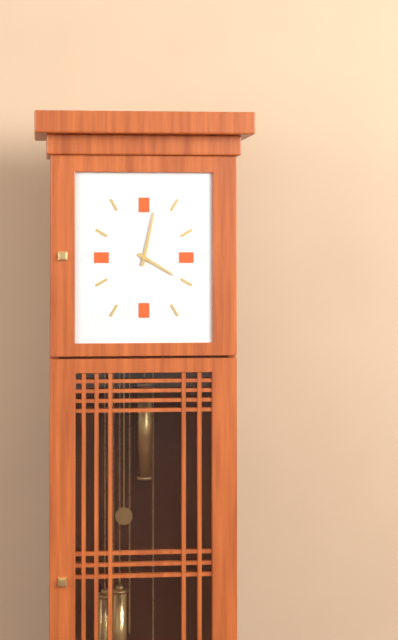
4:02
